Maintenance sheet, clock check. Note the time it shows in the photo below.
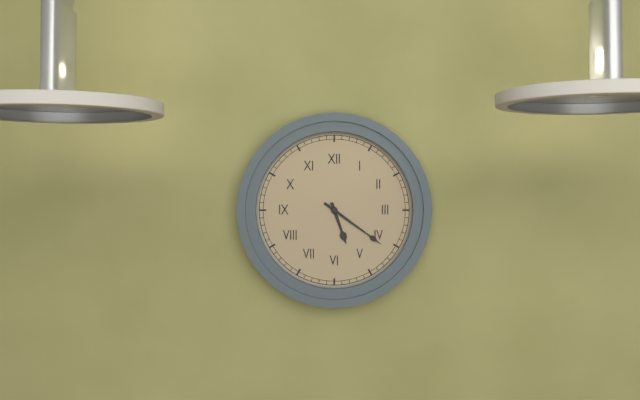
5:21
